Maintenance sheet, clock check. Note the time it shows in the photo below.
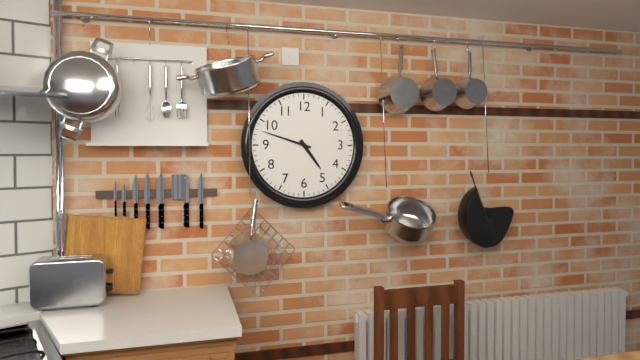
4:48
